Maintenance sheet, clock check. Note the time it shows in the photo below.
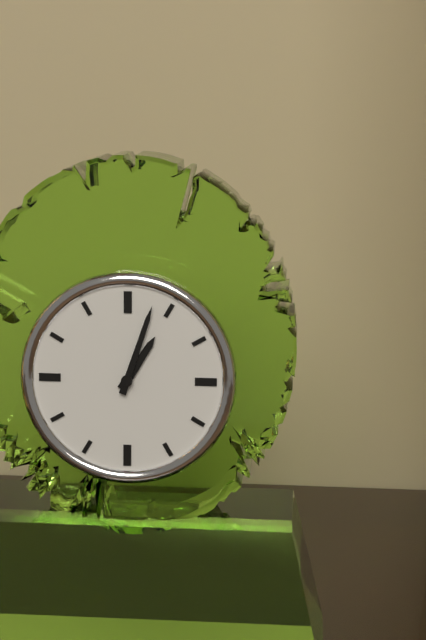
1:03
